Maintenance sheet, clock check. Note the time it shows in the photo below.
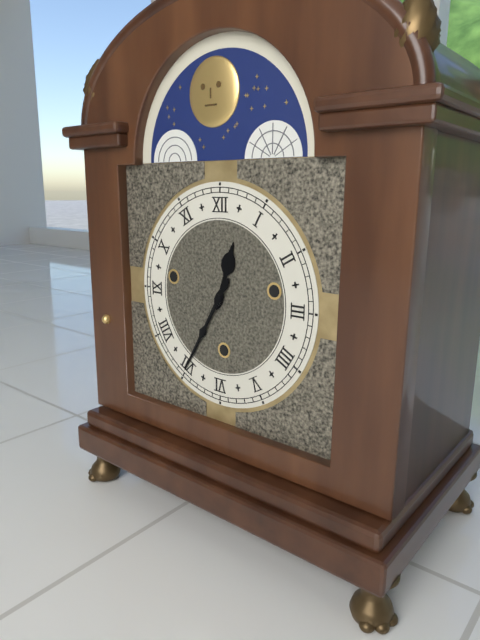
12:35
